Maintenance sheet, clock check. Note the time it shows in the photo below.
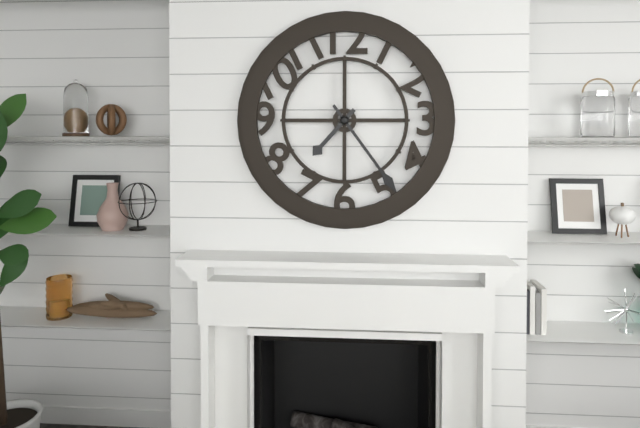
7:24
